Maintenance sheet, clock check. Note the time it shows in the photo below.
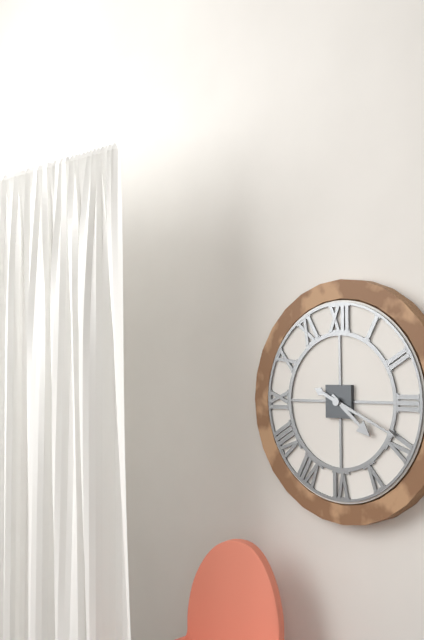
4:19
